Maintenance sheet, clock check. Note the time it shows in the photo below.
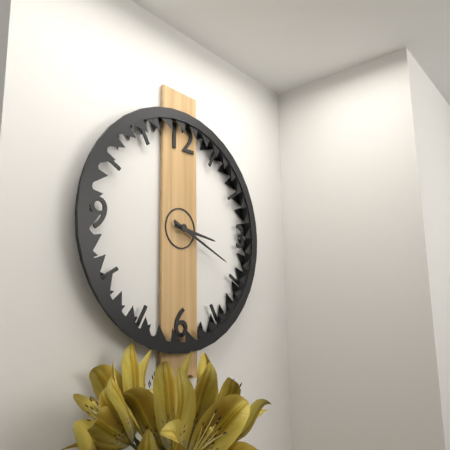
3:19
